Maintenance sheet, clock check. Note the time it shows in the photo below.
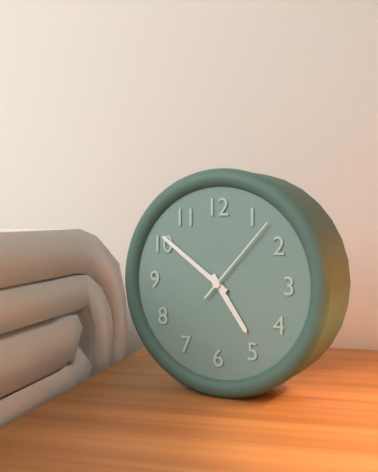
4:51:07
